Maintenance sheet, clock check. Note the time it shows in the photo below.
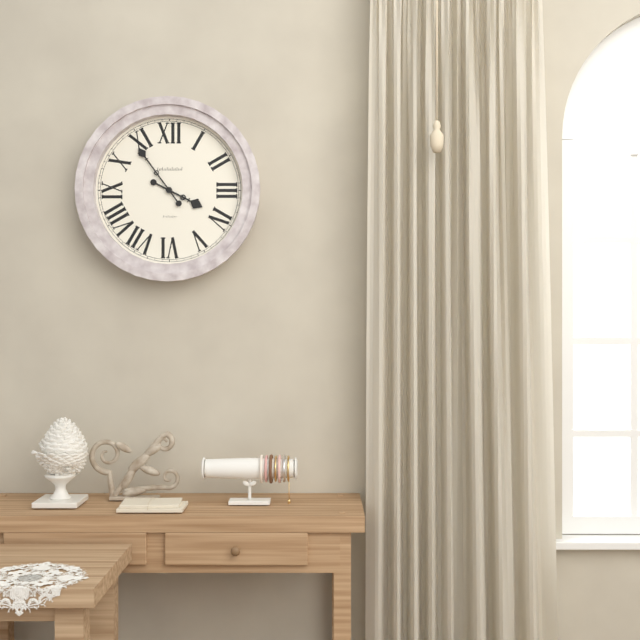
3:54
